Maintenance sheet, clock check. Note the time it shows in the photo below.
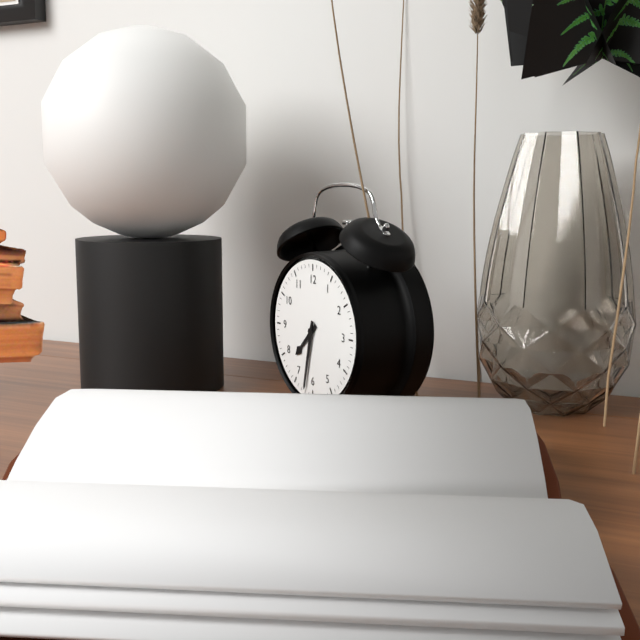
7:32
